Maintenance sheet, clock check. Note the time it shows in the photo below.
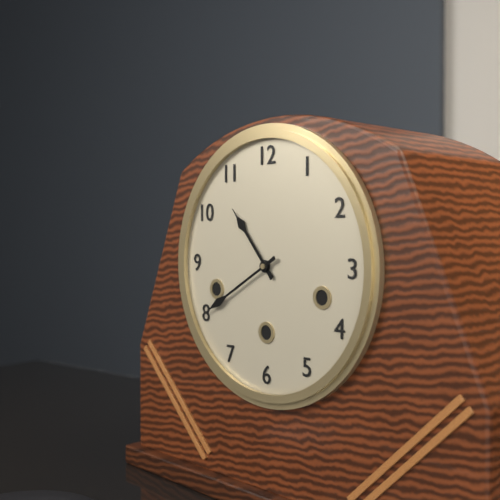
10:40
